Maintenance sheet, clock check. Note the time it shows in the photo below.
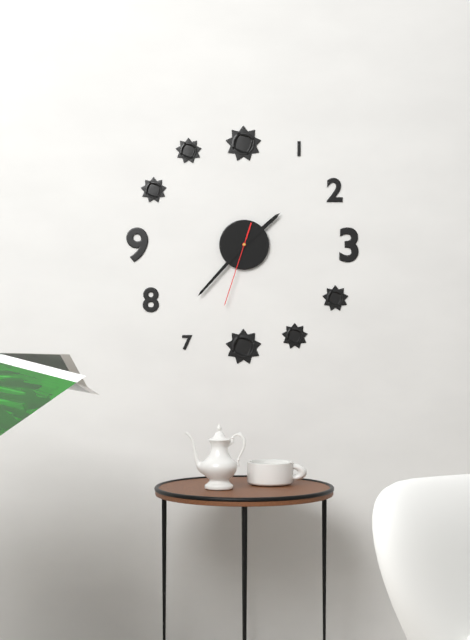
1:37:33
